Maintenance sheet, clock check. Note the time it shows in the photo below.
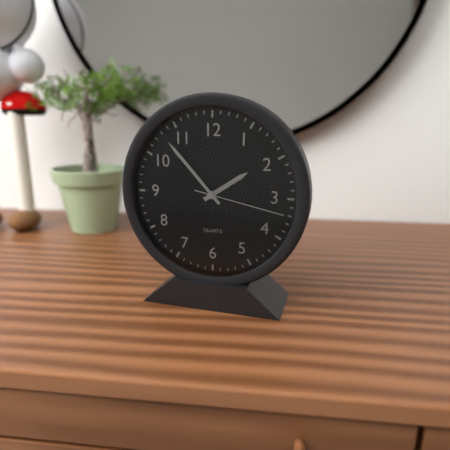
1:53:17
